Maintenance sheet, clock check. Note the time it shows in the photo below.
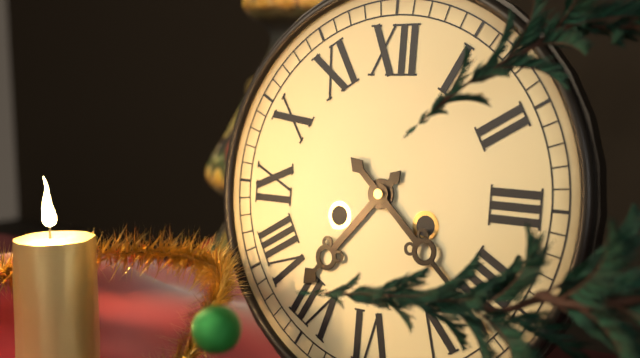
7:22
